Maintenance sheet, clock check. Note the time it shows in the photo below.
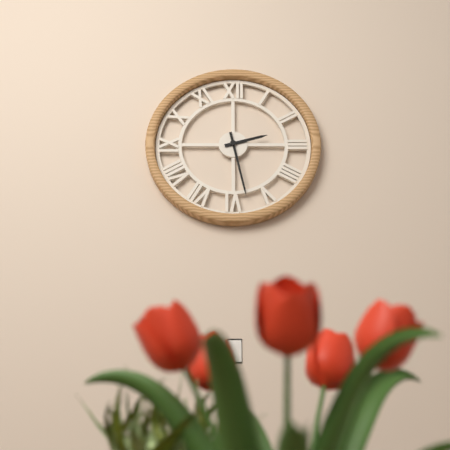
2:28
